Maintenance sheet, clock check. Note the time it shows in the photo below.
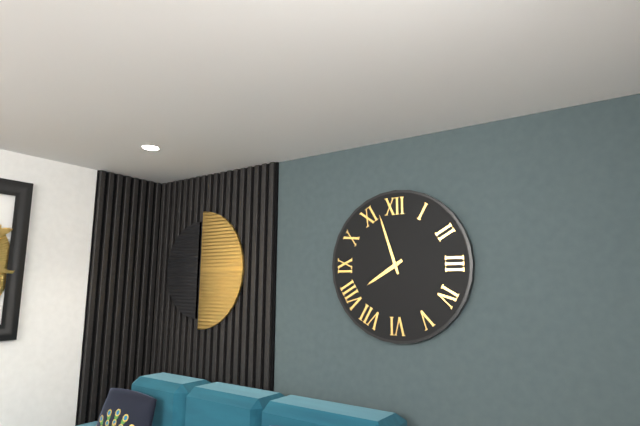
7:57
